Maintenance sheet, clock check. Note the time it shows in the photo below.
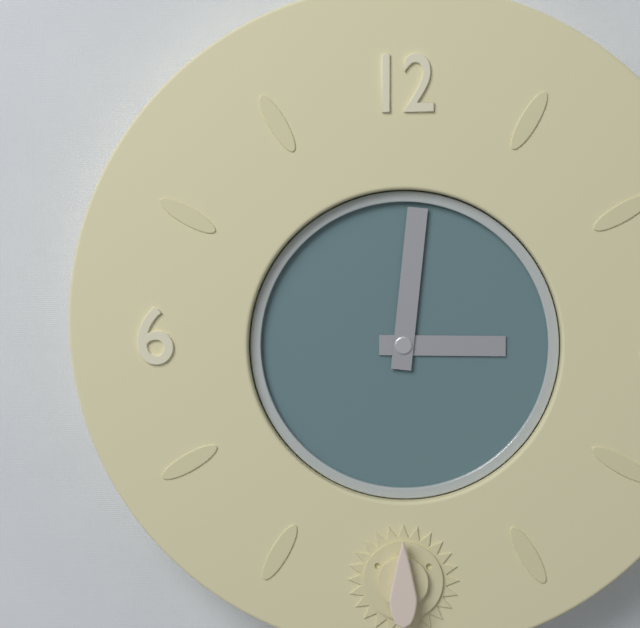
3:01
